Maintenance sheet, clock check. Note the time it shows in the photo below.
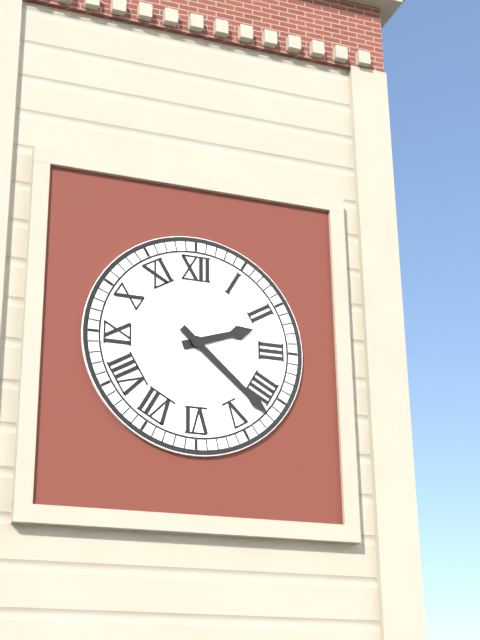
2:22
